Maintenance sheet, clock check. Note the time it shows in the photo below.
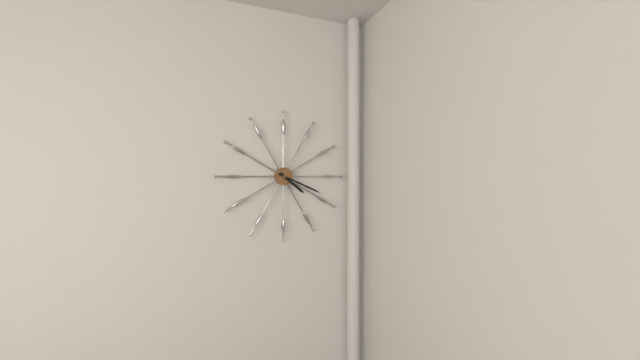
4:19
